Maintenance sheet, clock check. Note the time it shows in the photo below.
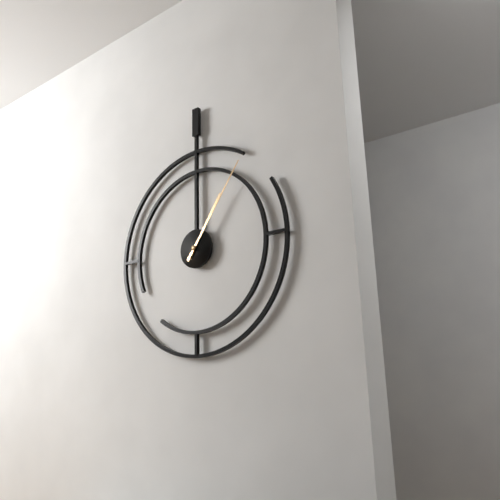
1:06
